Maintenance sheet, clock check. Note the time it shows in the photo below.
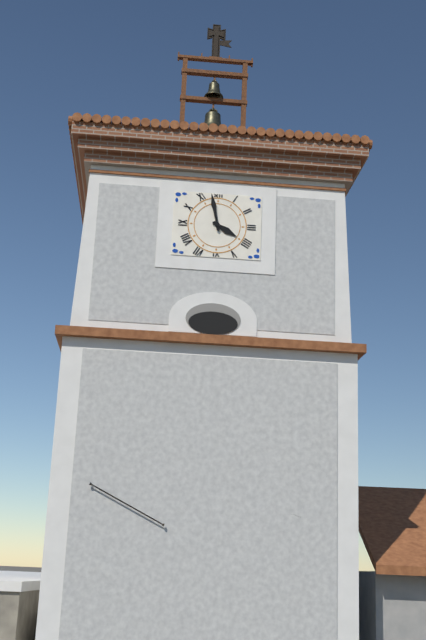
3:58
